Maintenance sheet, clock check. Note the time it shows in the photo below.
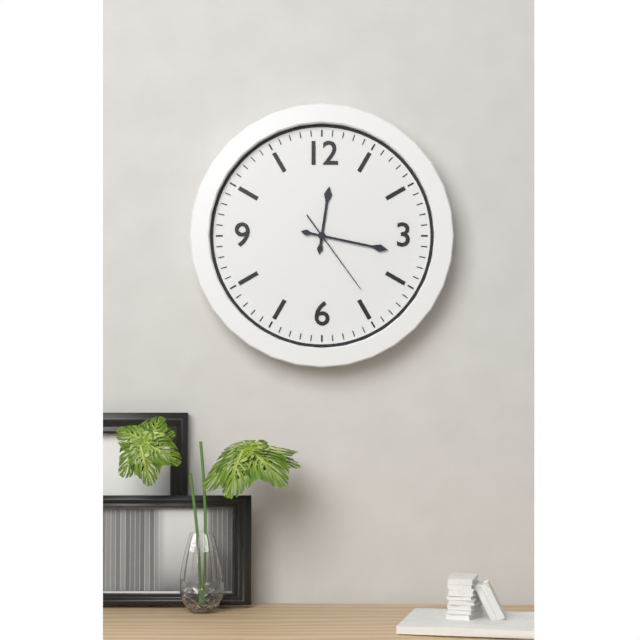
12:17:24
